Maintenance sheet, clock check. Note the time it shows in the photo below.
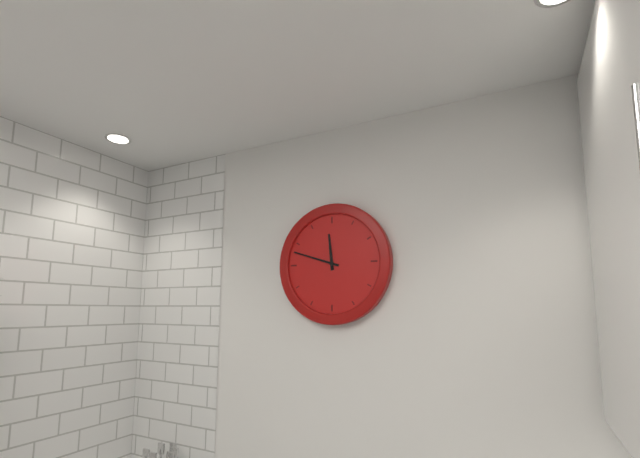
11:48
